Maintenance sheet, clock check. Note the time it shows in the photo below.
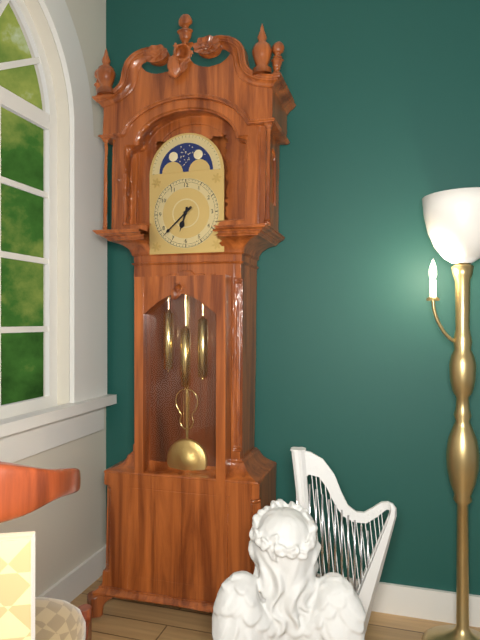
6:38
